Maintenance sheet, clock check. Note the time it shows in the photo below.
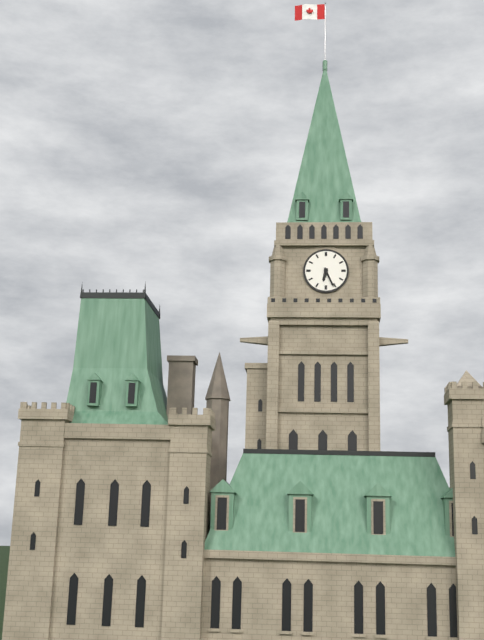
6:26
